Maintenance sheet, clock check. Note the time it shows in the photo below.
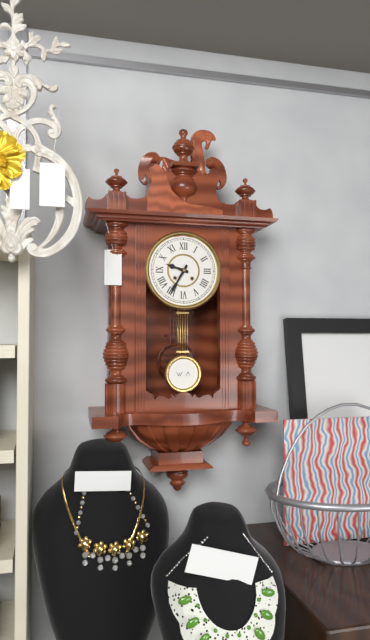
9:35
